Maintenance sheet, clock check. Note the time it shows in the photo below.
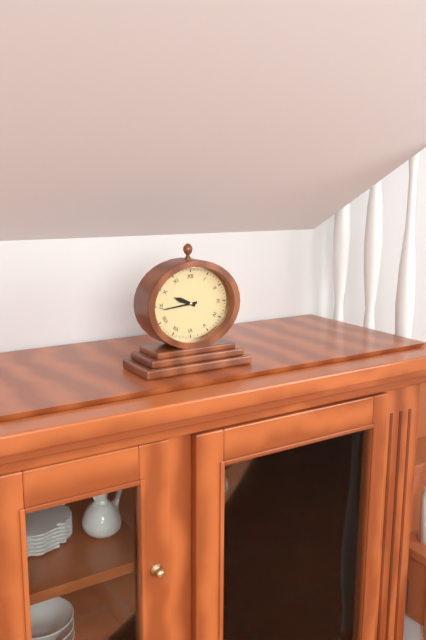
9:44
